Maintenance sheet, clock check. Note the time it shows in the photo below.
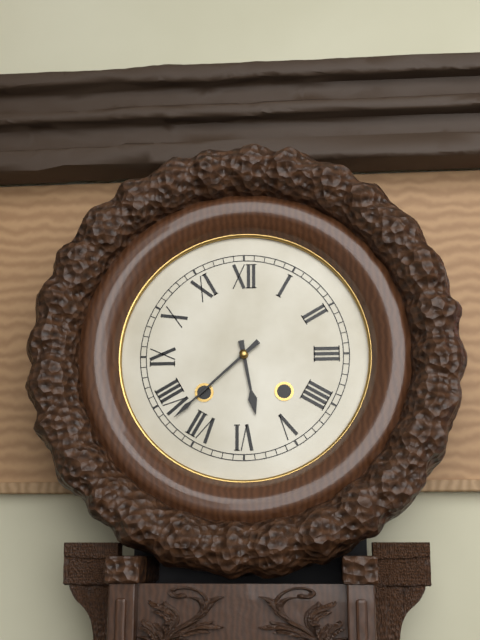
5:38
